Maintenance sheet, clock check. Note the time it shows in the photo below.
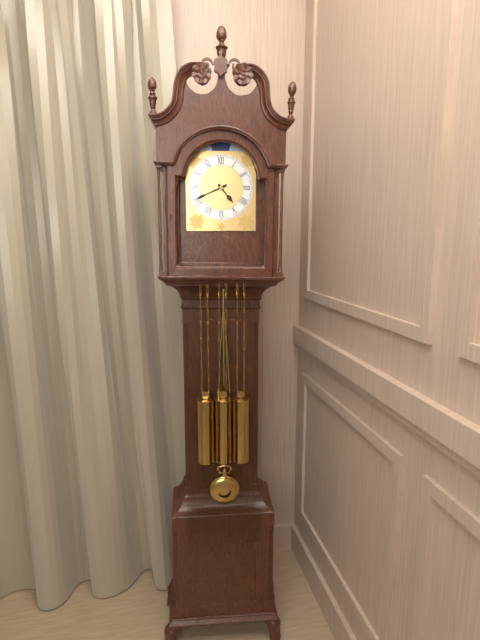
4:41
